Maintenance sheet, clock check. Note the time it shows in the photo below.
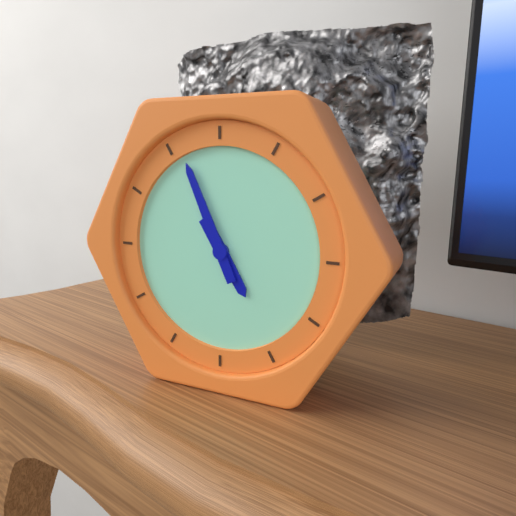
4:56
